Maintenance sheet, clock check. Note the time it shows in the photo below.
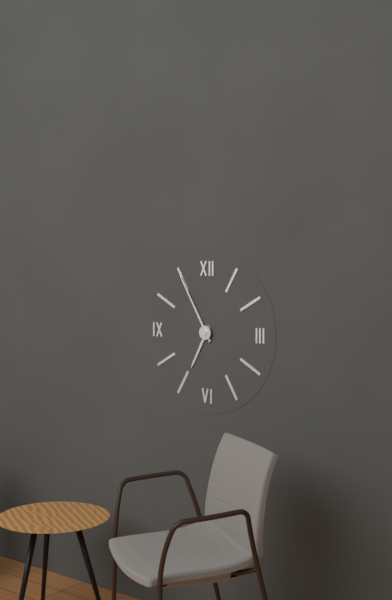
6:55
